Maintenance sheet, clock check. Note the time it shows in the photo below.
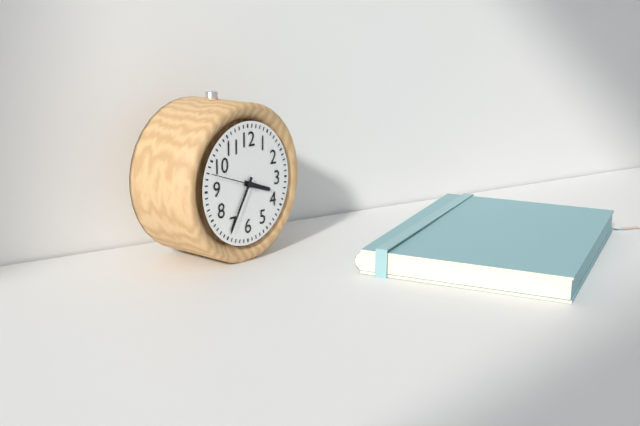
3:35:48
